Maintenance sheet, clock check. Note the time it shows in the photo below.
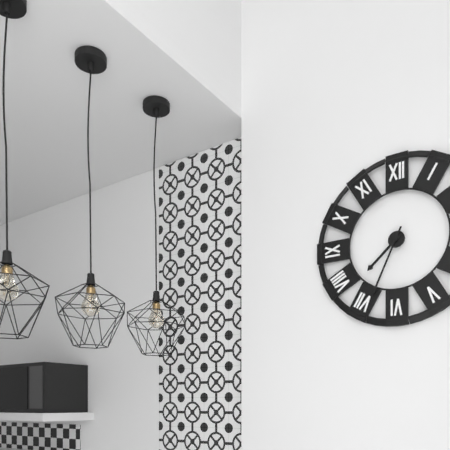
7:34
